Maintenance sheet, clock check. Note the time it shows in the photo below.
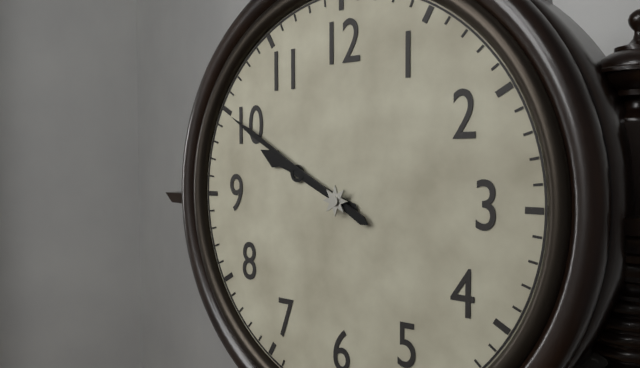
9:50
